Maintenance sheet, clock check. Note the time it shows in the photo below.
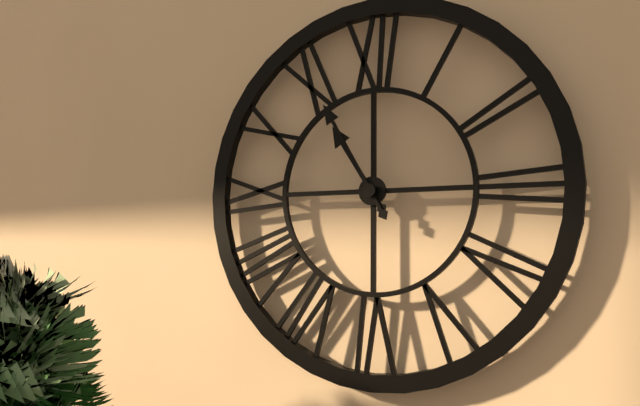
10:55
